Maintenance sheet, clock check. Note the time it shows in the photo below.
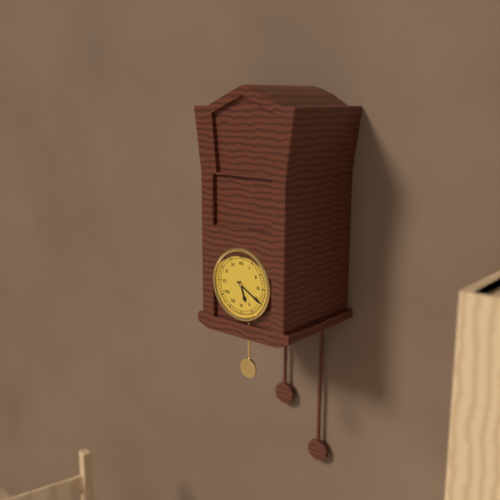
5:20
